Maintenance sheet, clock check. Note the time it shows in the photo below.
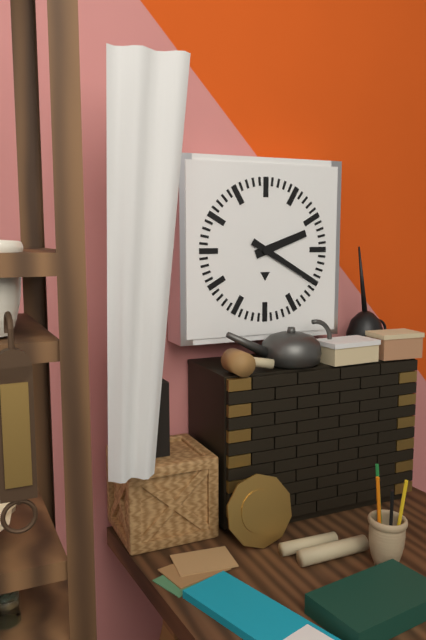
2:20
